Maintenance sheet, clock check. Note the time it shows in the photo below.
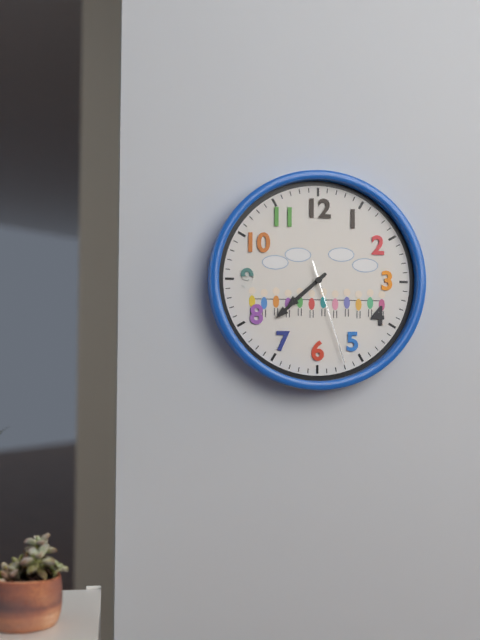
7:38:27
